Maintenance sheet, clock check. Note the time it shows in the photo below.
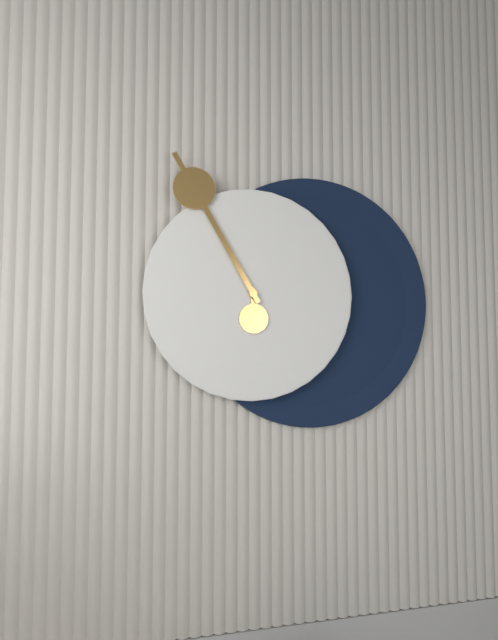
5:55
